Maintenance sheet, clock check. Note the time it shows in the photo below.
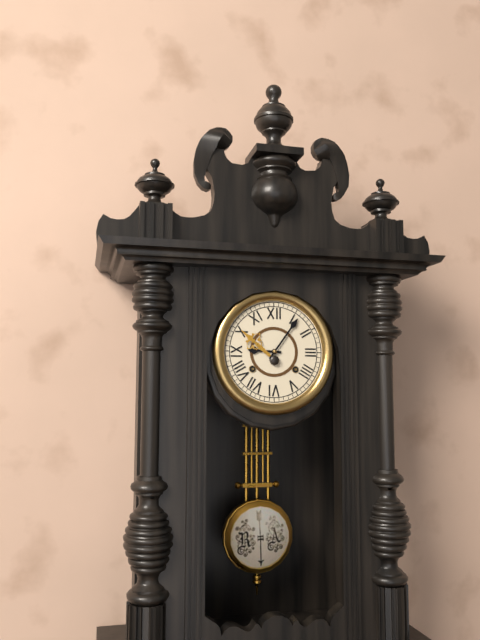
9:06
